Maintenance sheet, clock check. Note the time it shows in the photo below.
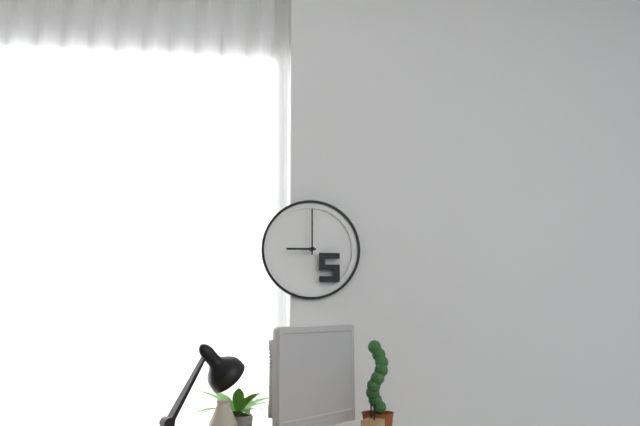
9:00
